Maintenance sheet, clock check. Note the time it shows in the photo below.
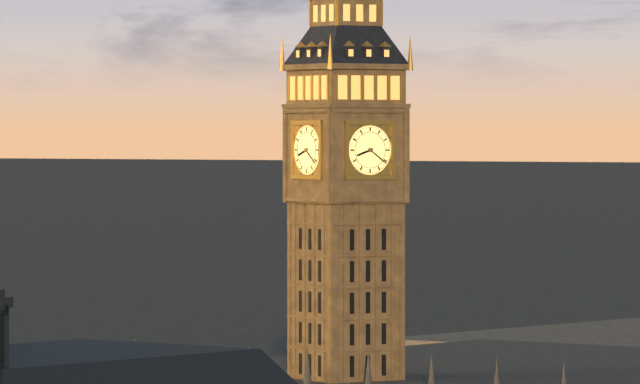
8:21
